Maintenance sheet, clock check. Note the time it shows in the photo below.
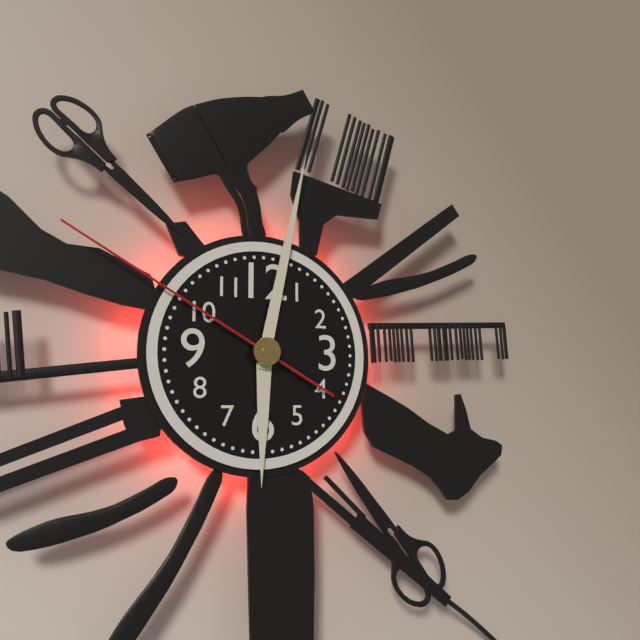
6:02:50
